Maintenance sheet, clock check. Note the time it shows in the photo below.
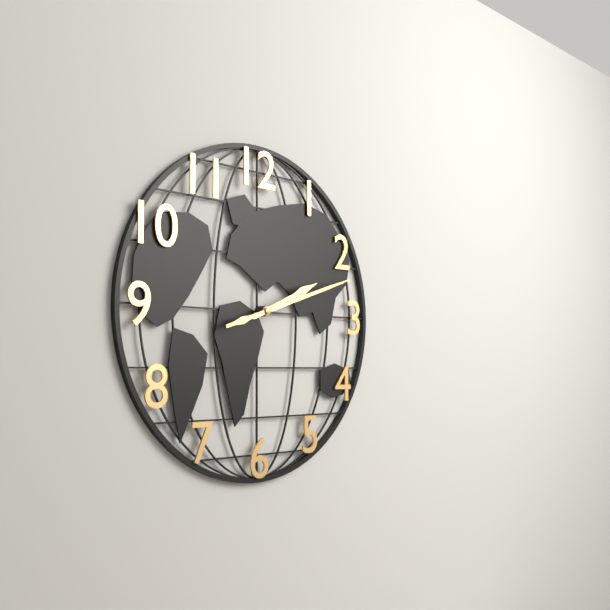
2:12
